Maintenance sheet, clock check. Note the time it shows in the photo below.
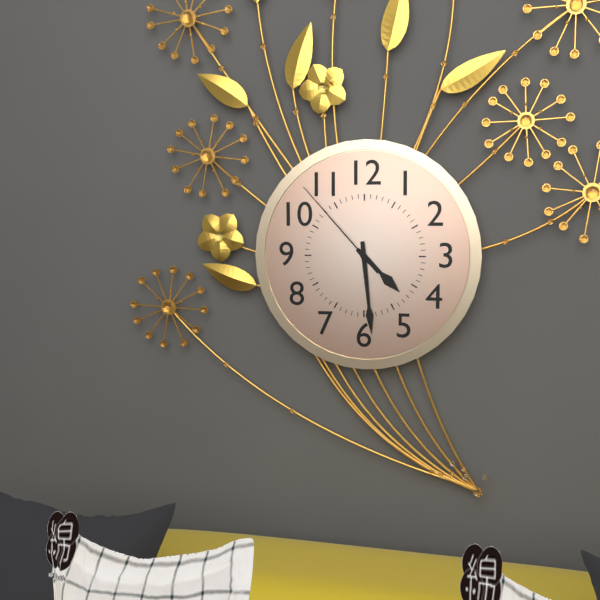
4:29:53
